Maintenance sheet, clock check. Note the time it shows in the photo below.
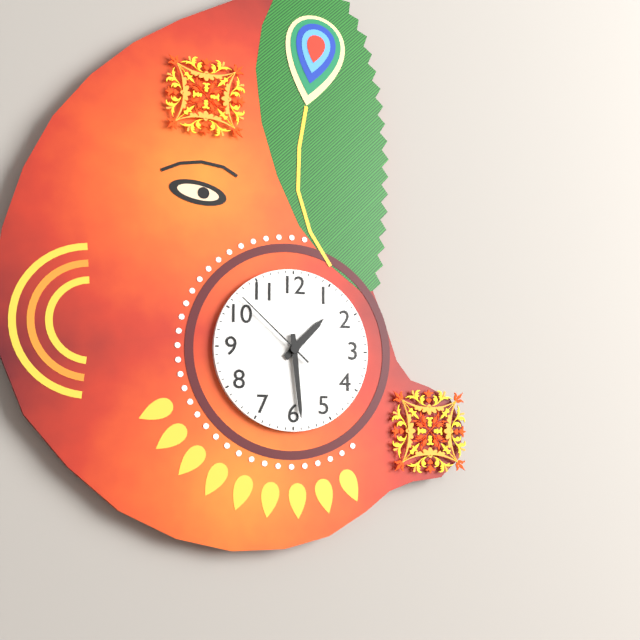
1:29:52
